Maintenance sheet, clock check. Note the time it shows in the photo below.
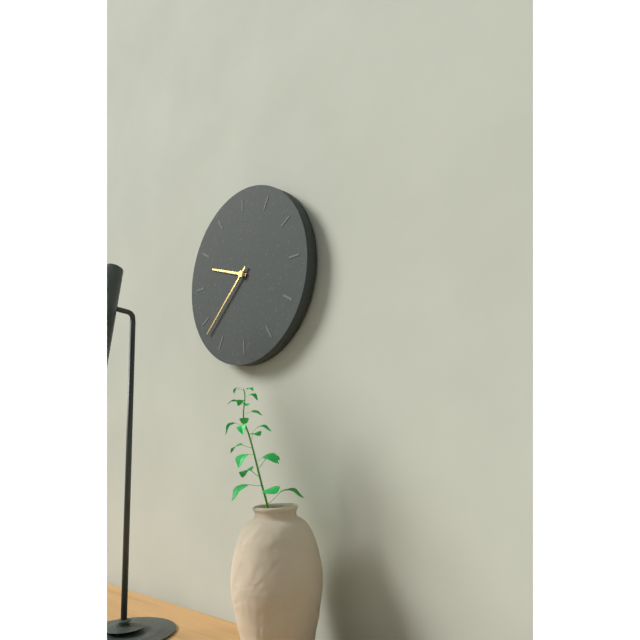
9:38
